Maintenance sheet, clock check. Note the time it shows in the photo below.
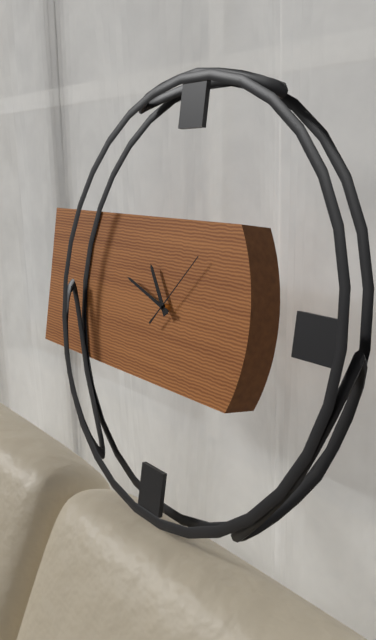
10:48:07
